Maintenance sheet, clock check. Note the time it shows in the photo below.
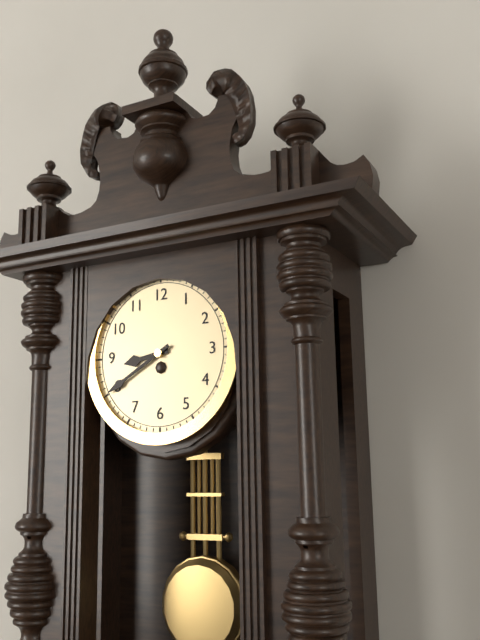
8:40
